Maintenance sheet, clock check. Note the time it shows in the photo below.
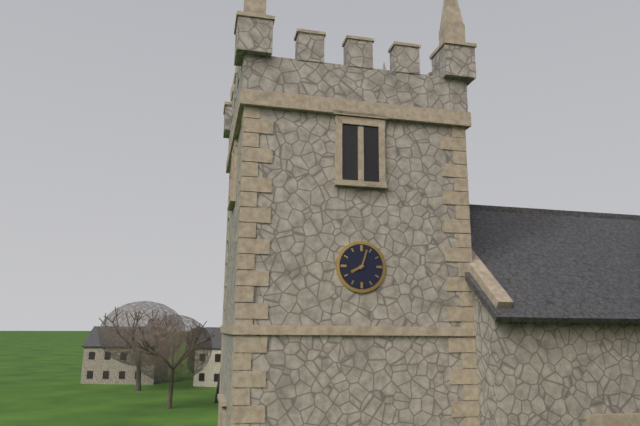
8:03
